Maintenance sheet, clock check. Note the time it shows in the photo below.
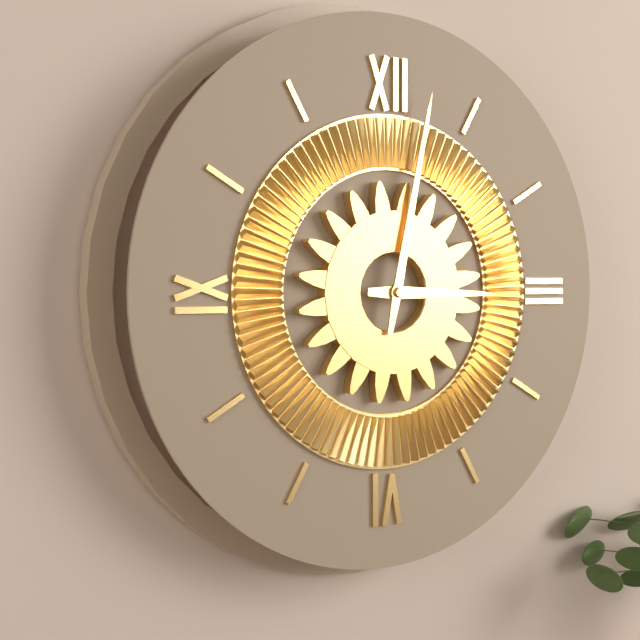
3:02
